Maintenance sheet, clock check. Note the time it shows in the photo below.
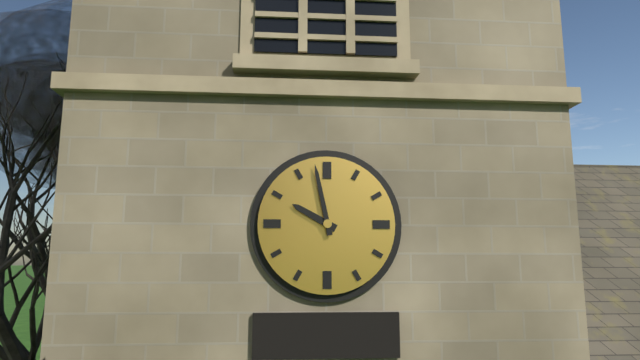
9:58
